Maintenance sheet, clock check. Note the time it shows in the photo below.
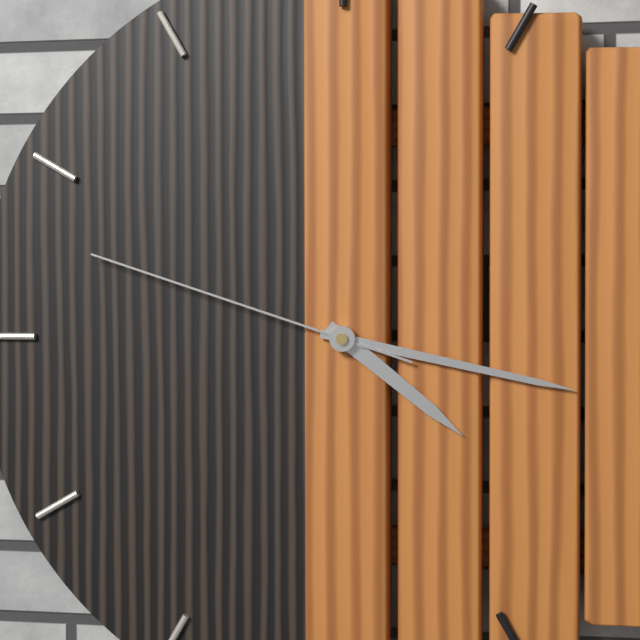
4:17:48
